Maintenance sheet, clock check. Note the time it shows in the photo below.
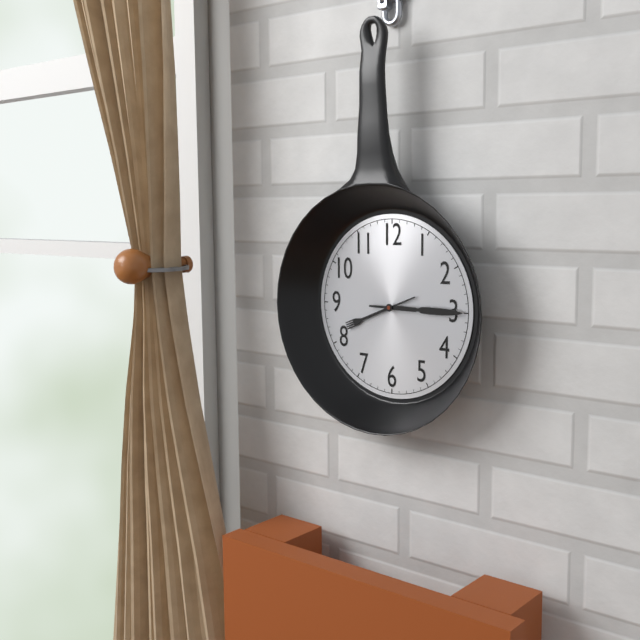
8:15
